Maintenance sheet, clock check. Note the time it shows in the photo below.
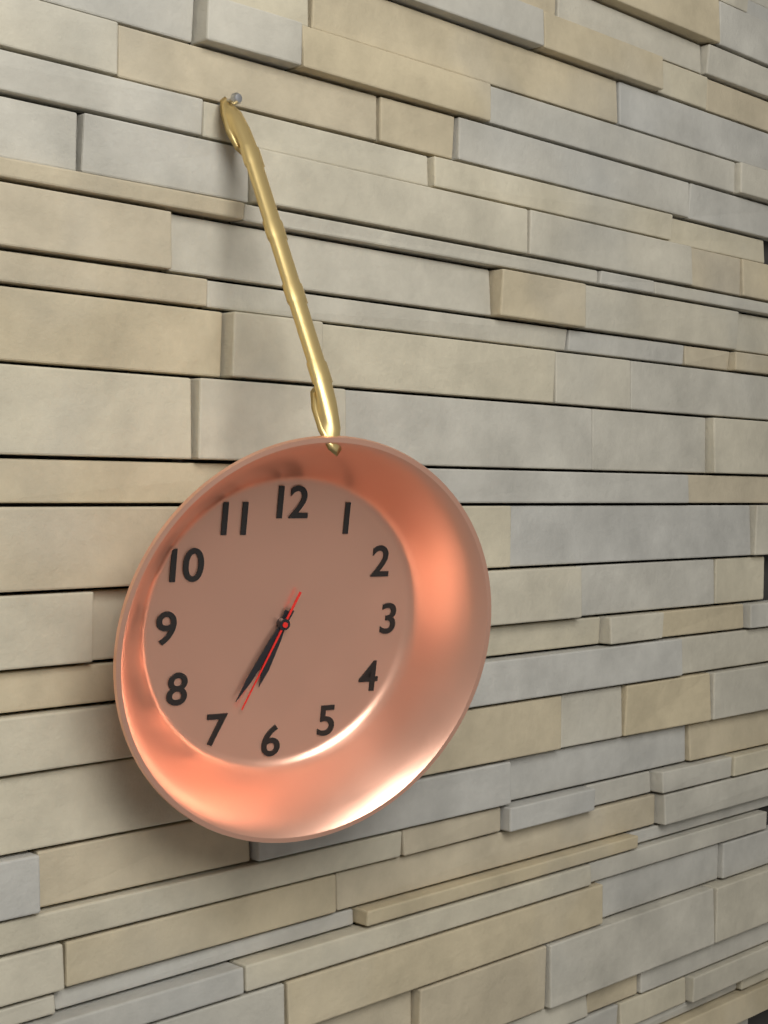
6:35:34
